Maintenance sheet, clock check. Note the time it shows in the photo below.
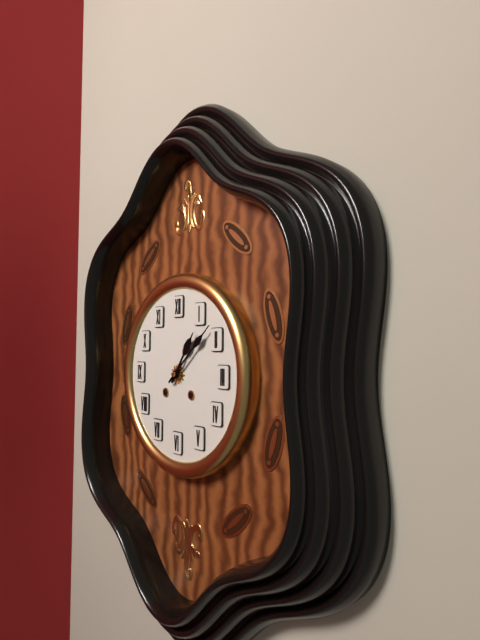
1:08
